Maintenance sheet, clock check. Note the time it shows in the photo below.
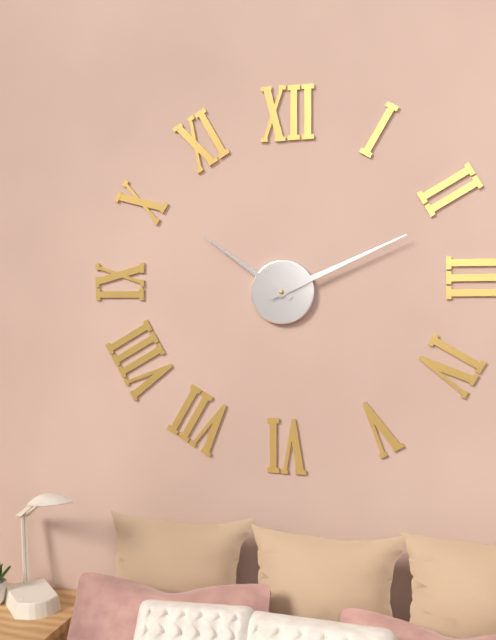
10:11
